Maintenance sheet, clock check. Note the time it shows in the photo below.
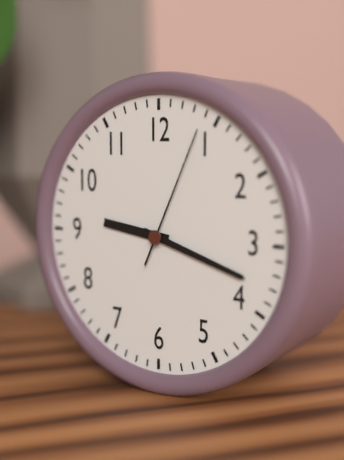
9:18:04
